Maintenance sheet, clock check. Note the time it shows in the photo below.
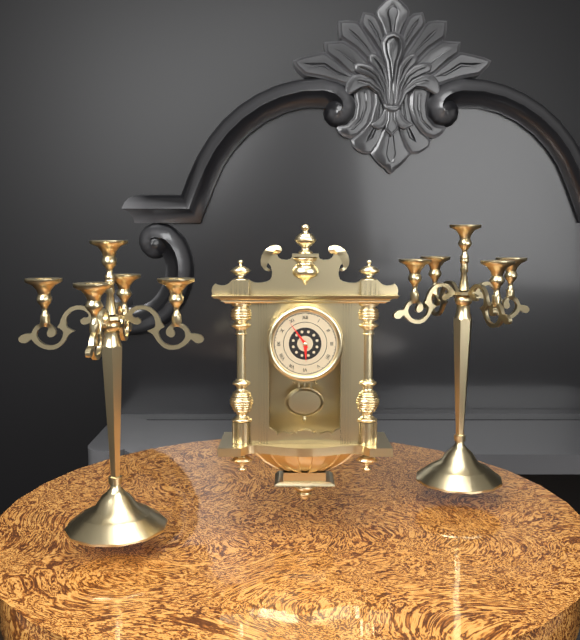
5:54
